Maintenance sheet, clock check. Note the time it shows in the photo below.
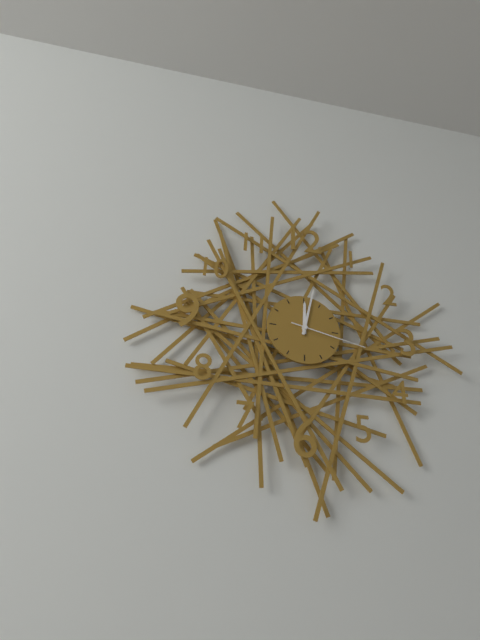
12:02:17
